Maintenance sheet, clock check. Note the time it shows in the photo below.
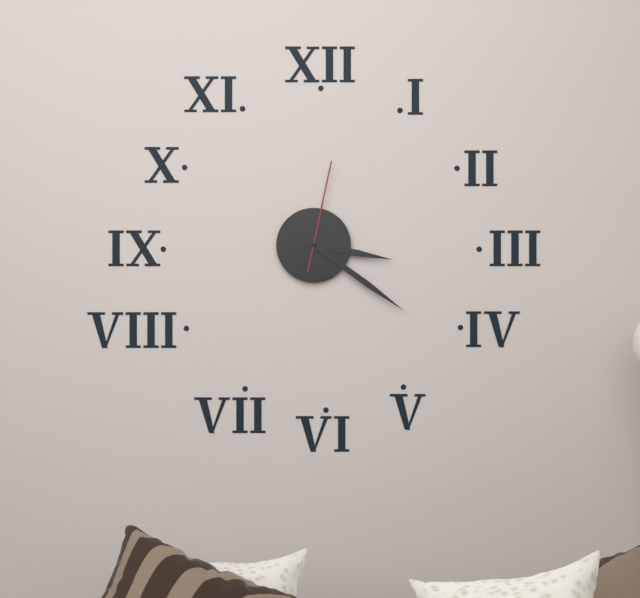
3:21:02
